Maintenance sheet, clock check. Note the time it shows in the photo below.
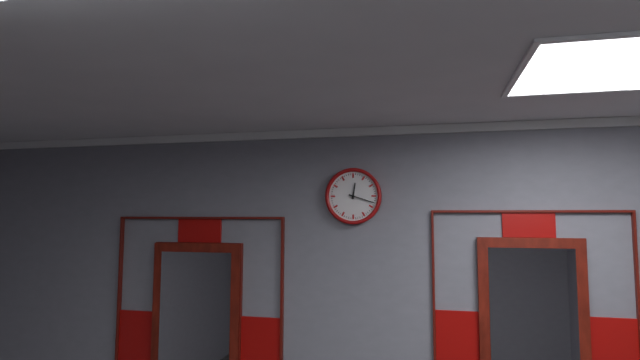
12:18
